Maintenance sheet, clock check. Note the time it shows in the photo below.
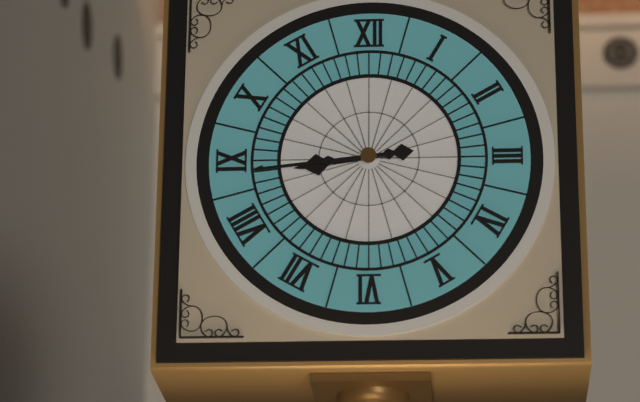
8:44
